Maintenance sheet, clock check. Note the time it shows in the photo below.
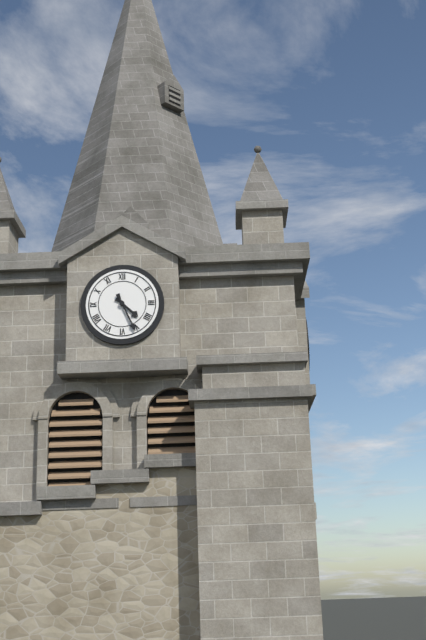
4:26
